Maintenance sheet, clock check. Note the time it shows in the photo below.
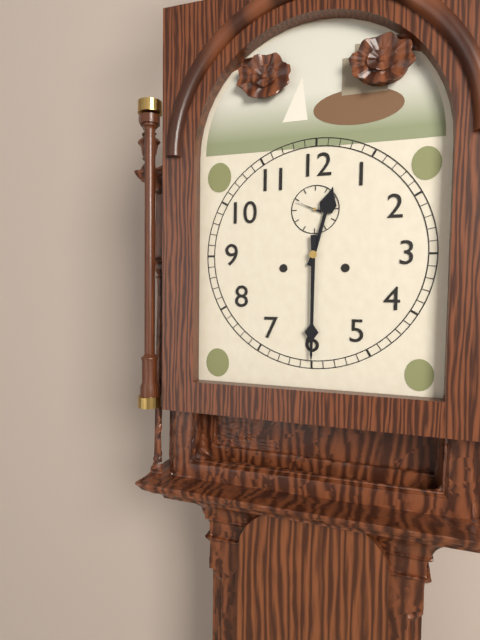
12:30
